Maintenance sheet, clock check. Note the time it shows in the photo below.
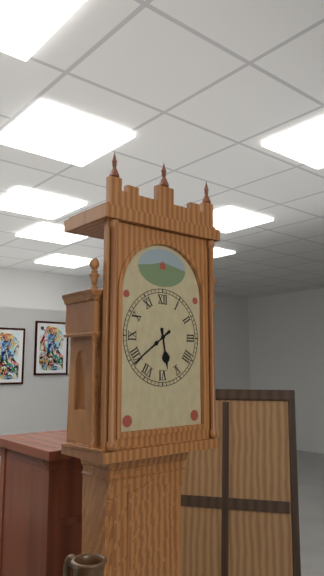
5:39
